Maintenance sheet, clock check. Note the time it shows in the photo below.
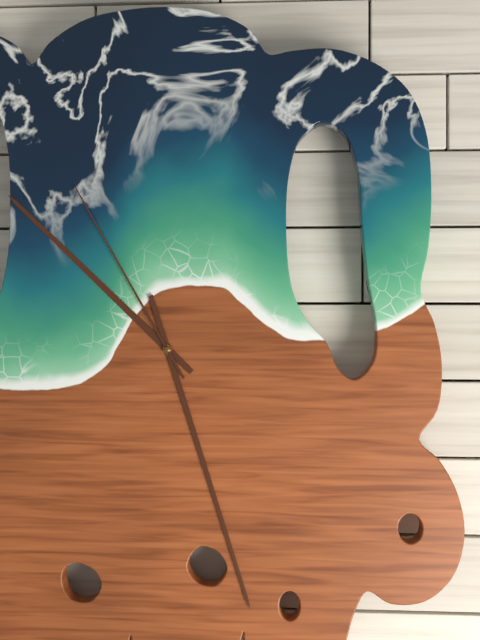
10:27:55
